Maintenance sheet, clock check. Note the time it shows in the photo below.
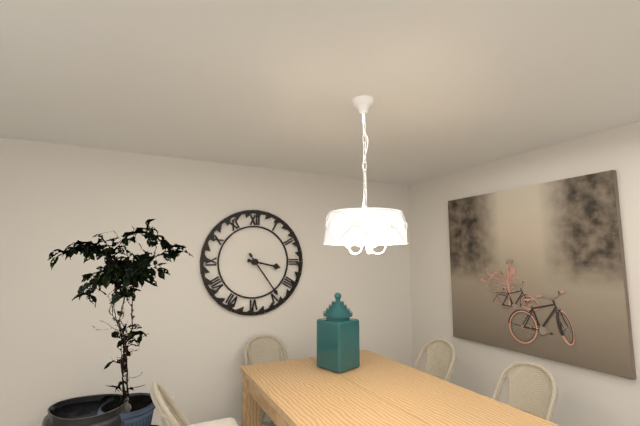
3:24
